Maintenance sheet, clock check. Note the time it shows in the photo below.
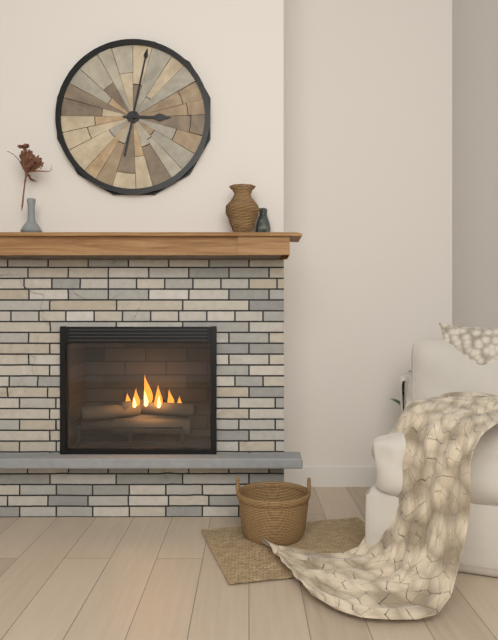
3:02
